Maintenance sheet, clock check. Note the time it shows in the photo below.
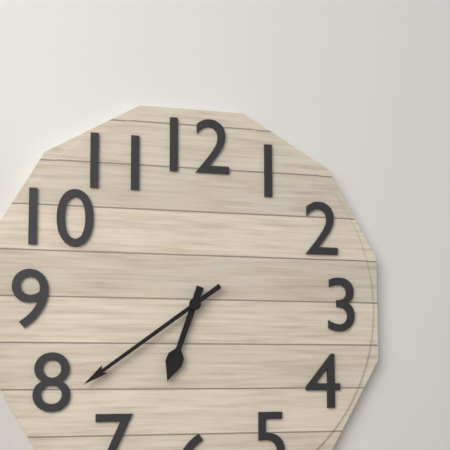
6:39
